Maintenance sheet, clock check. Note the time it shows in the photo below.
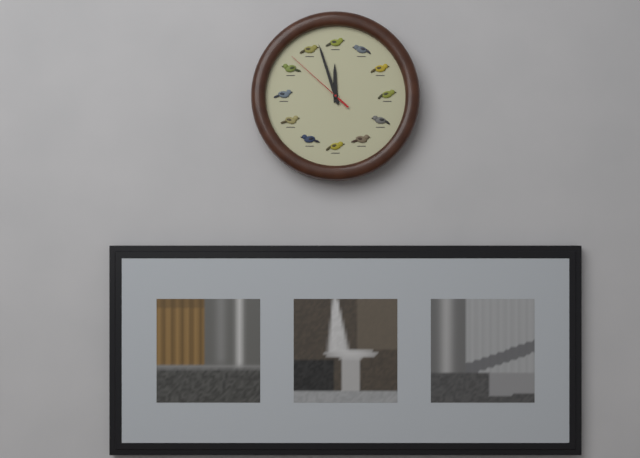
11:57:52
